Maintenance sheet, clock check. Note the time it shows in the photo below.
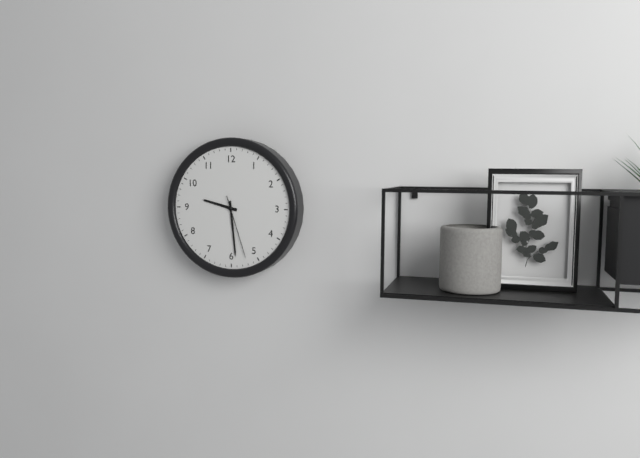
9:29:27
